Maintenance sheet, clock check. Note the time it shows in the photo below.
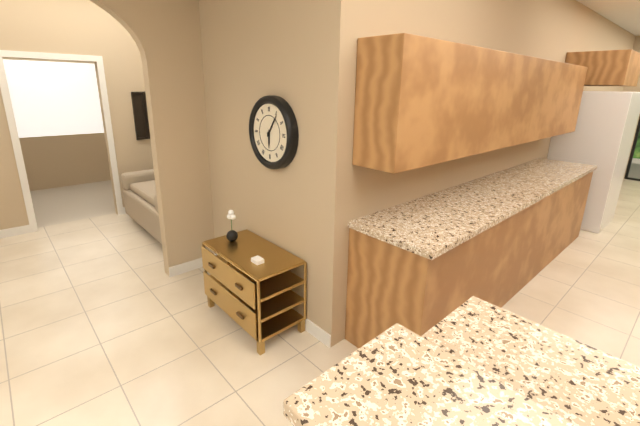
6:06
